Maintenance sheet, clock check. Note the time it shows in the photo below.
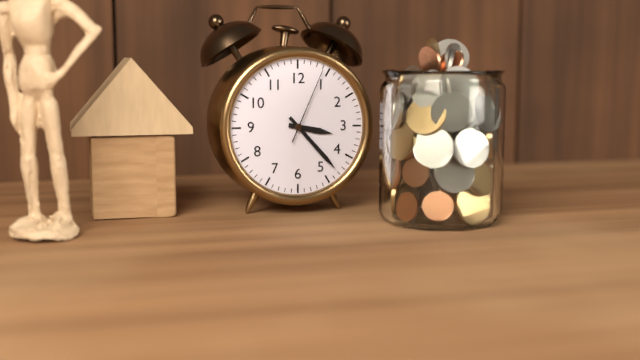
3:23:04
